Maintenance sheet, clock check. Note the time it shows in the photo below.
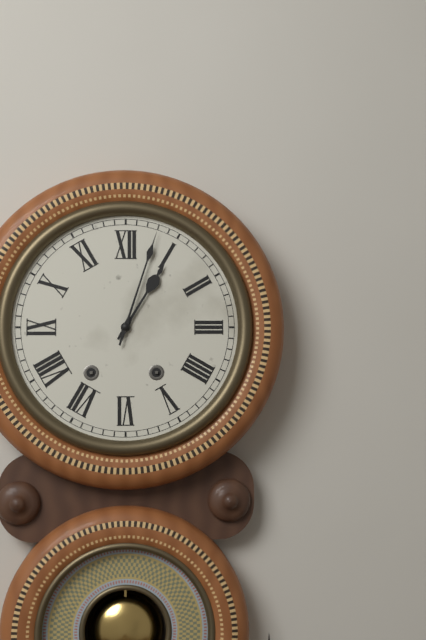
1:03
